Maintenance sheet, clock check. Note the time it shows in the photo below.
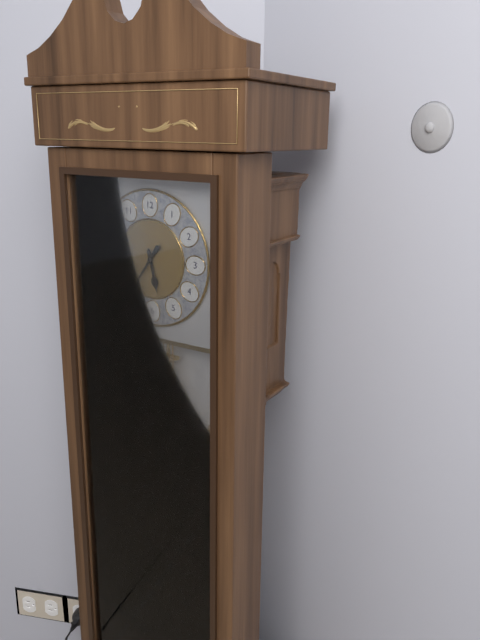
5:36
